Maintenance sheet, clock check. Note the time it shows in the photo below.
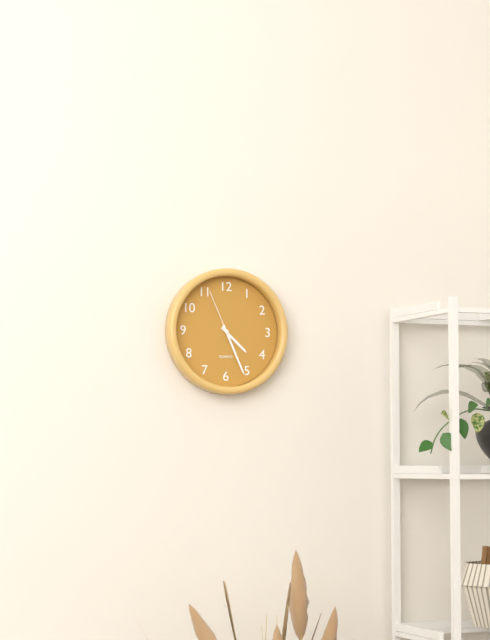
4:26:56
